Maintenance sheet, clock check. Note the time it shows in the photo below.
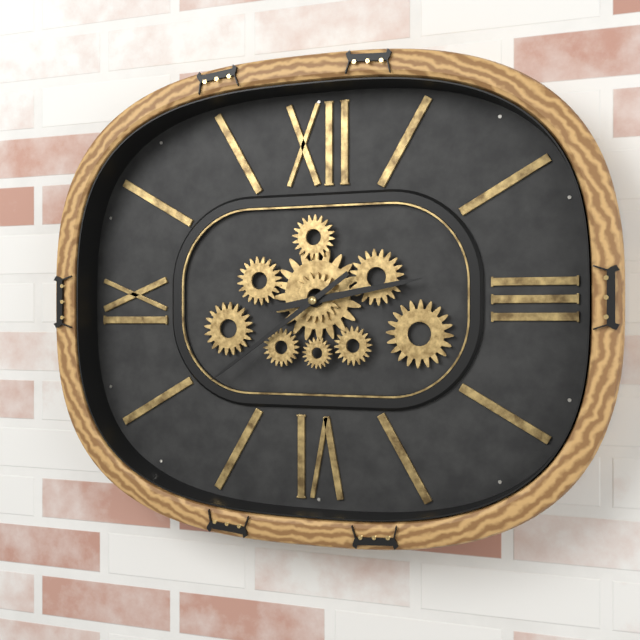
2:39
